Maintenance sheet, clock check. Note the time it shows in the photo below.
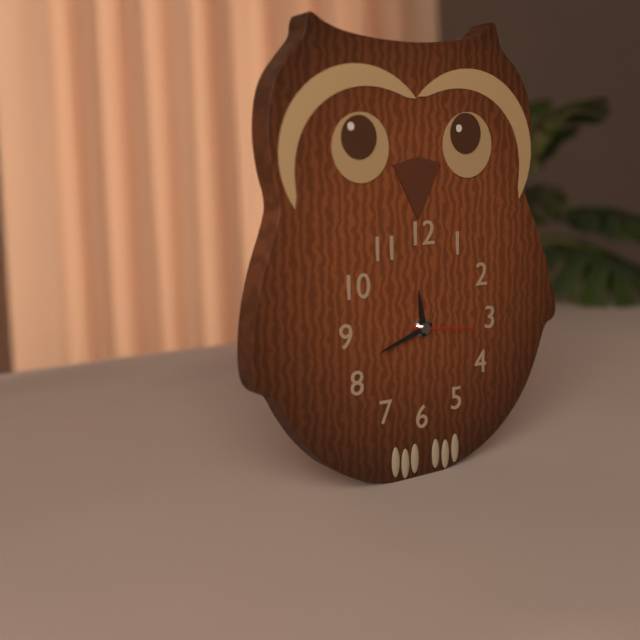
11:42:16
